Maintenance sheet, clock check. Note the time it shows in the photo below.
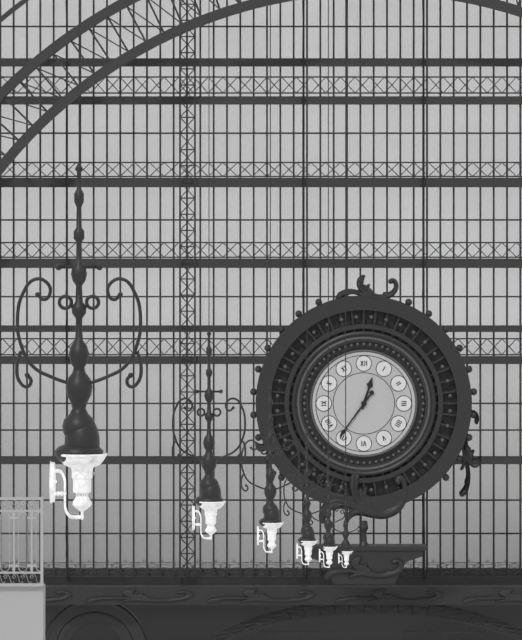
12:36
